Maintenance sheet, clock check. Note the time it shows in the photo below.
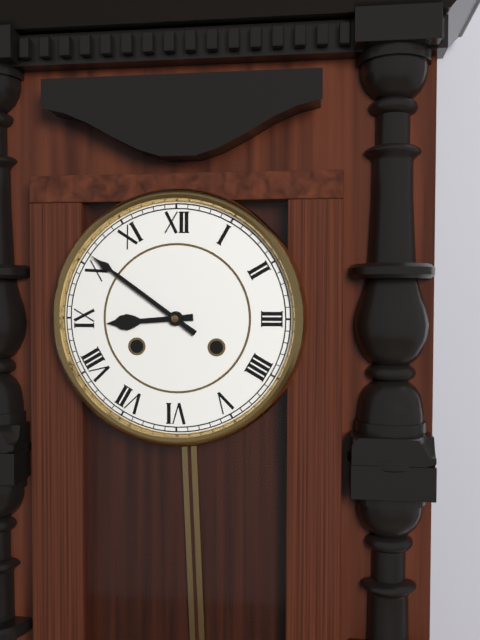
8:51
